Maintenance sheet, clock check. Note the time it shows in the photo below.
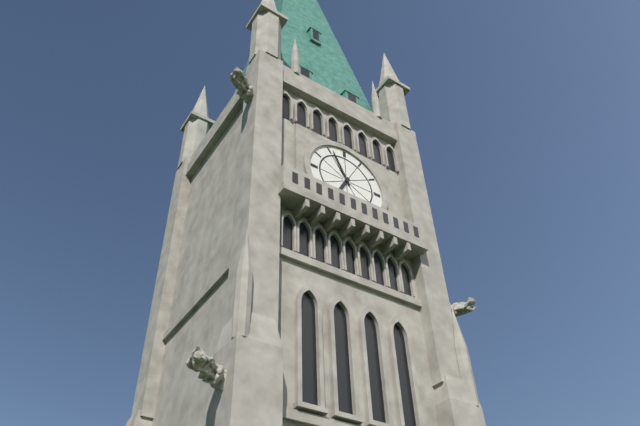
6:56
